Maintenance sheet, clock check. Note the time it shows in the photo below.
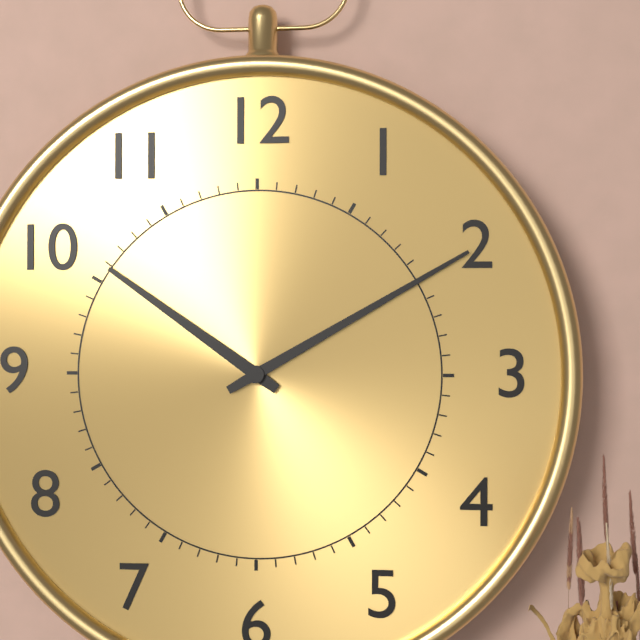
10:10
